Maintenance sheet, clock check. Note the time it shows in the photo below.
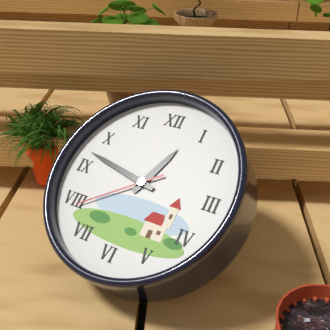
12:47:39
